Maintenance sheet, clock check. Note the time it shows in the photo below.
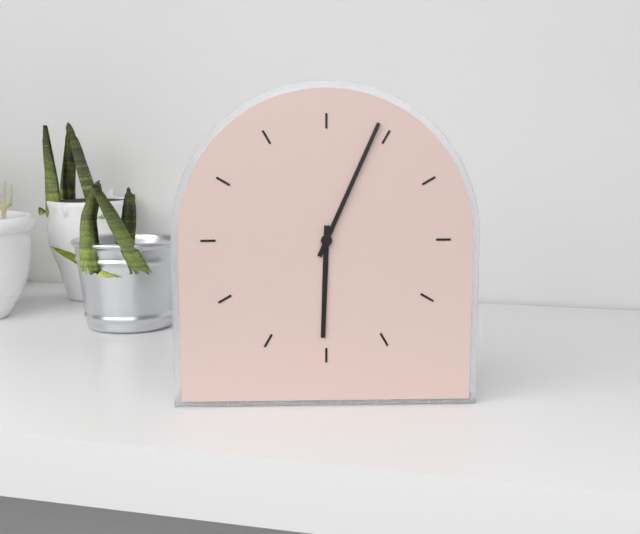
6:04
